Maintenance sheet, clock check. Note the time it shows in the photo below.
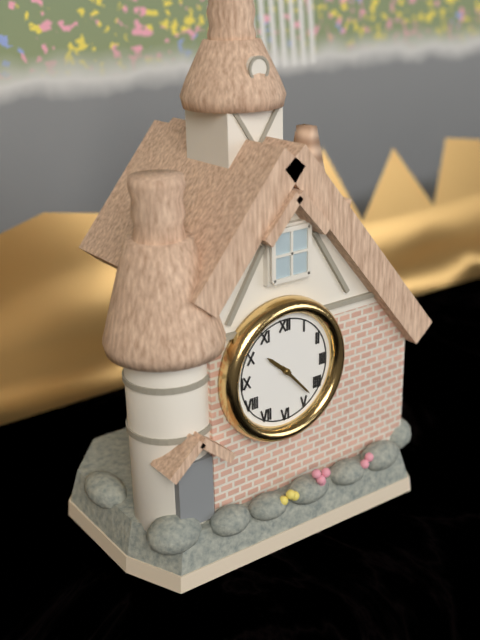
10:23
